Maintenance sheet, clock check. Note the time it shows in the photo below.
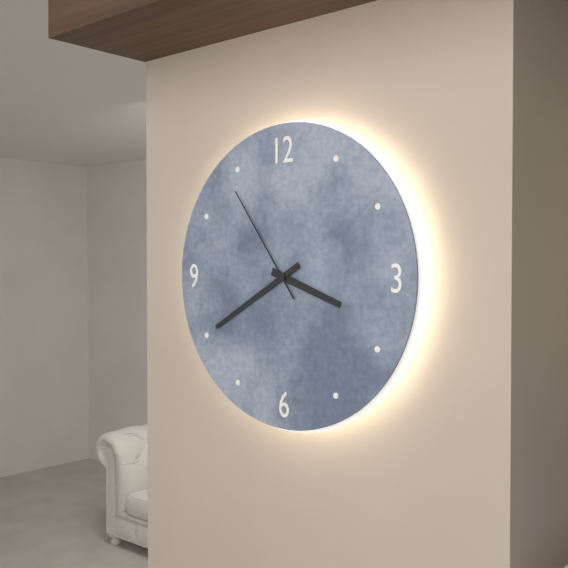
3:40:54
